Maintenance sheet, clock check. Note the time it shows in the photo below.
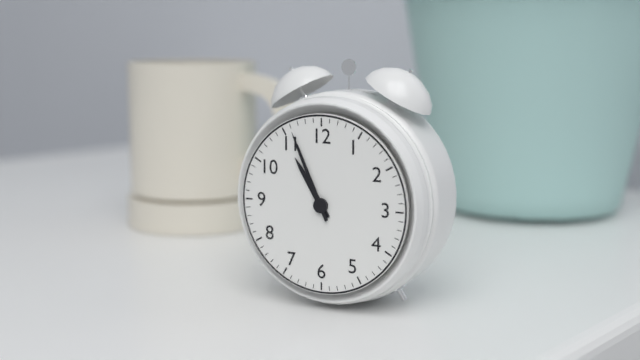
10:56
